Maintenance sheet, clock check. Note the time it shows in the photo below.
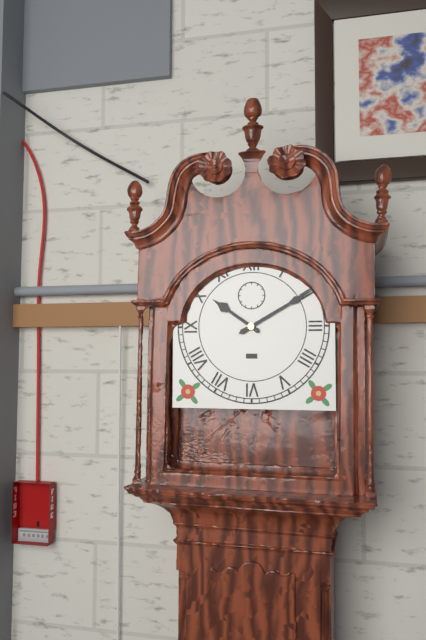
10:10
